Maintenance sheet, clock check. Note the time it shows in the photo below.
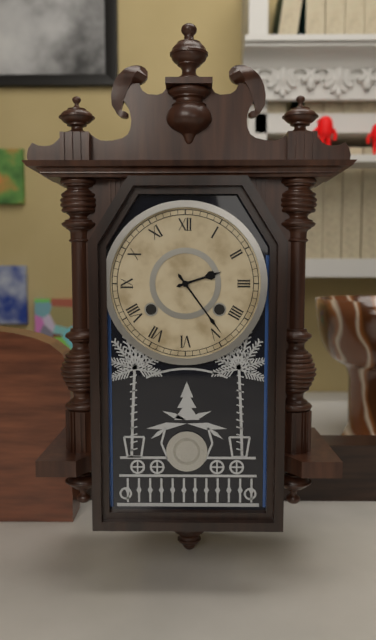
2:24
